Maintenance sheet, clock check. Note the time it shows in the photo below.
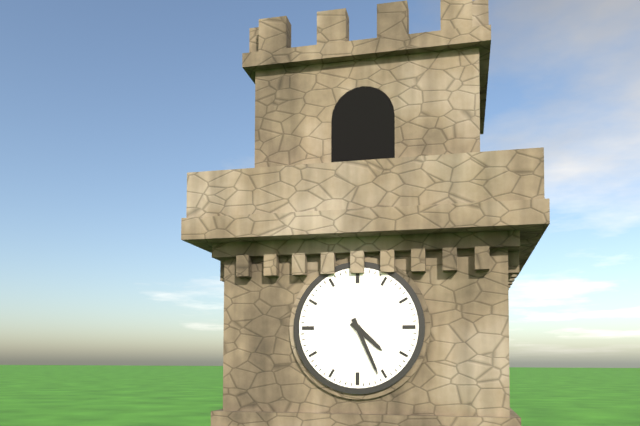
4:26
